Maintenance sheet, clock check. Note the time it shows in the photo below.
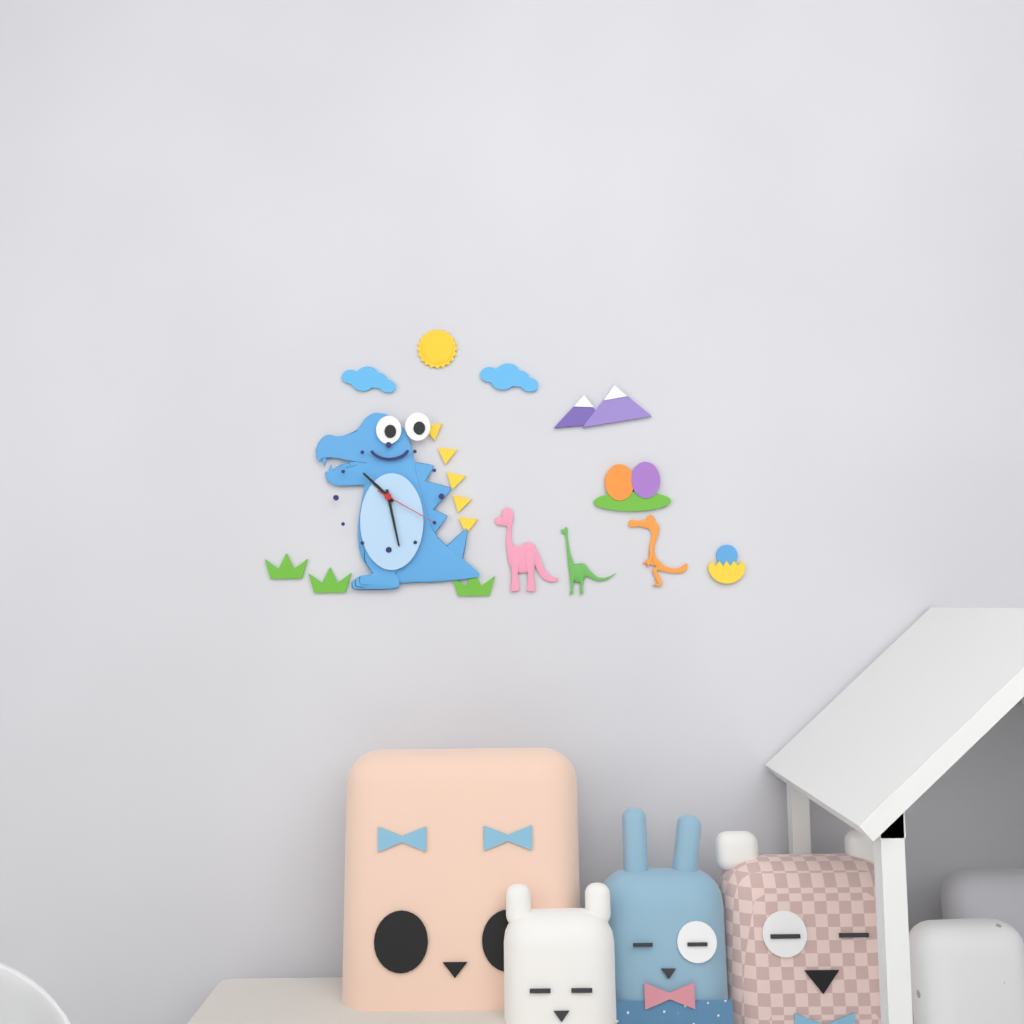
10:28:20
